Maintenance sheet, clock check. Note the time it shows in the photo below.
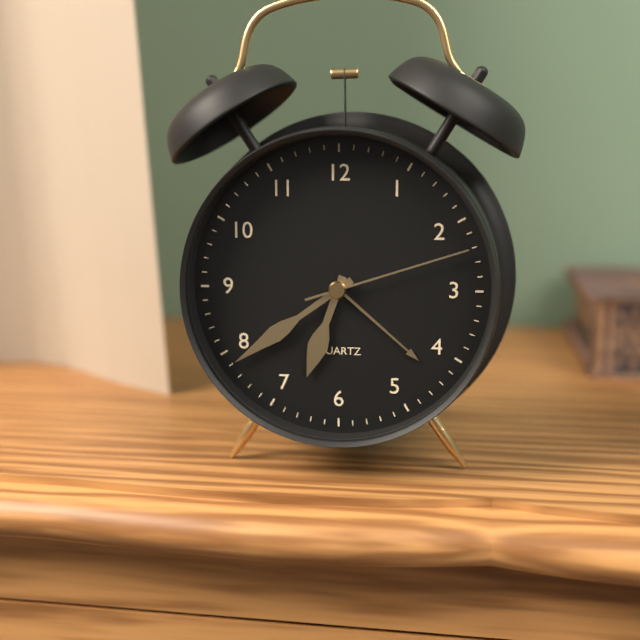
6:39:12
